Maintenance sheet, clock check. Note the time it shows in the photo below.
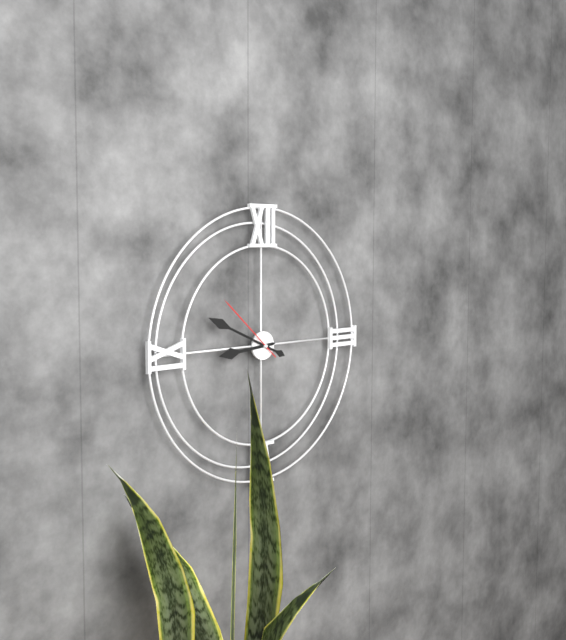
8:49:52
